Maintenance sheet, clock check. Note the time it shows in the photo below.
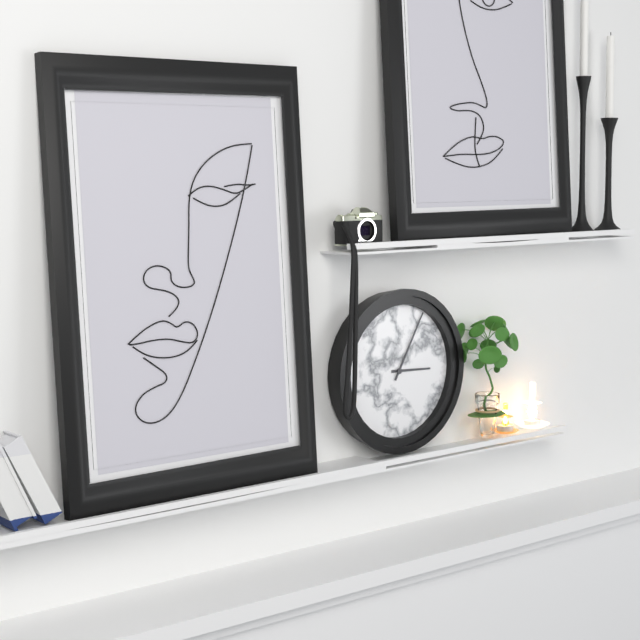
3:05
